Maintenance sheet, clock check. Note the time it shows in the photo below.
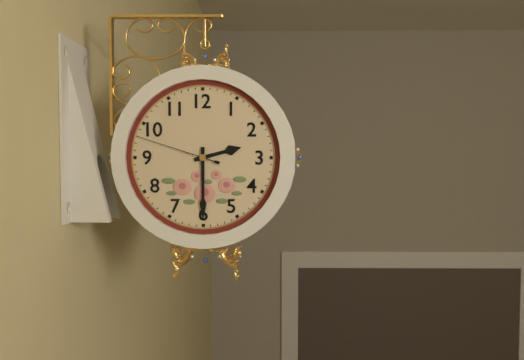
2:30:48
